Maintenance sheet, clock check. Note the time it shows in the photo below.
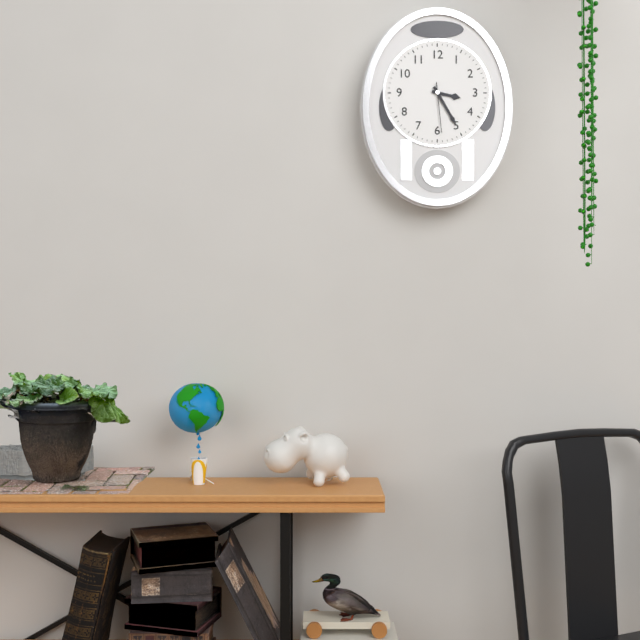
3:25:29
